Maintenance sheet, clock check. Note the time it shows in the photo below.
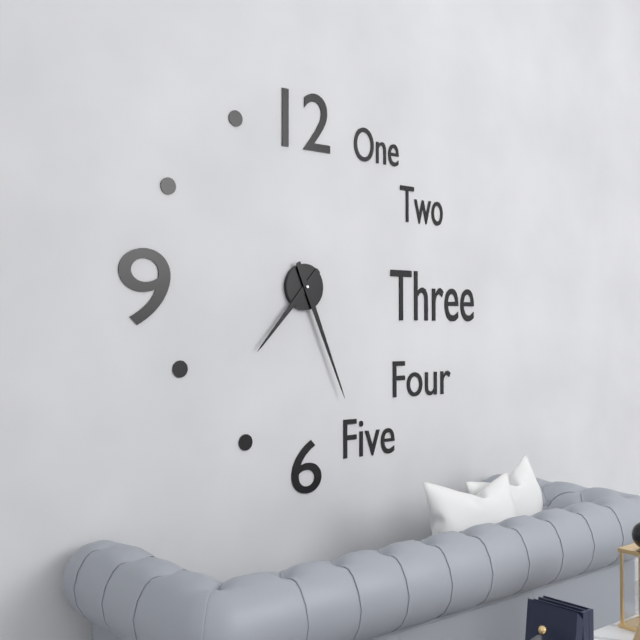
7:26
